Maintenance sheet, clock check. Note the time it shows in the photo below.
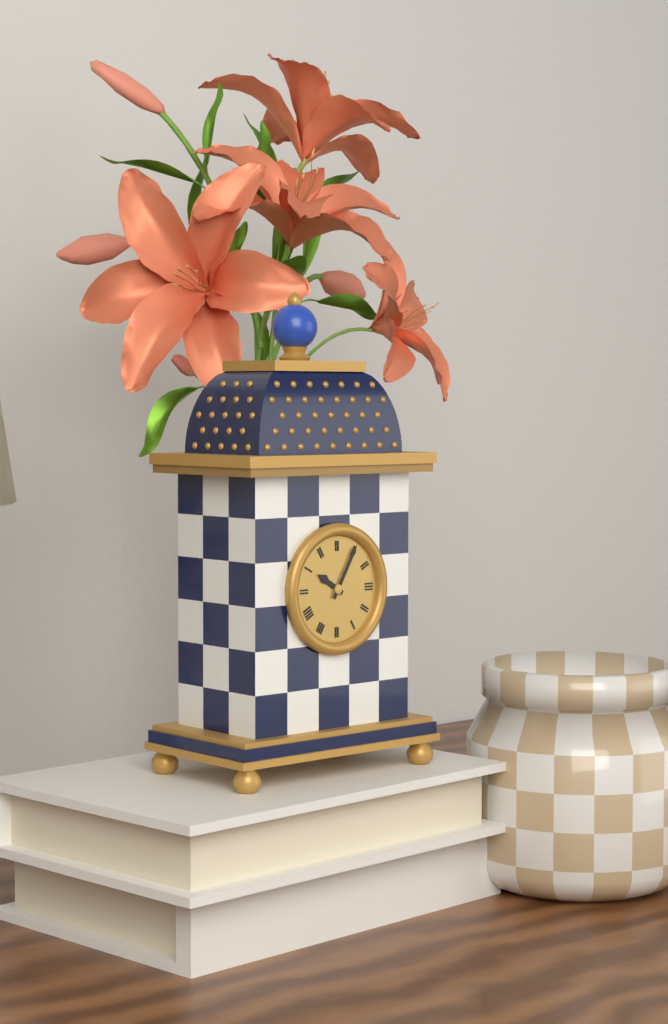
10:05
